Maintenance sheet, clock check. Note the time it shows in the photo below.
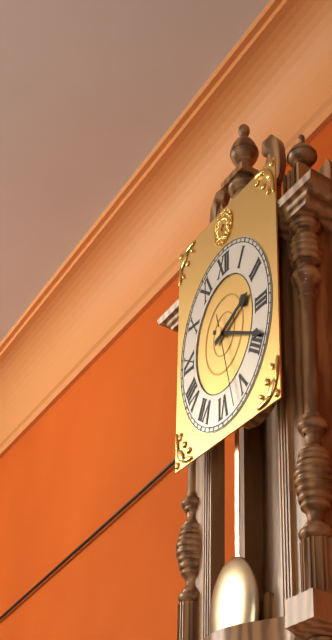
2:19:27
